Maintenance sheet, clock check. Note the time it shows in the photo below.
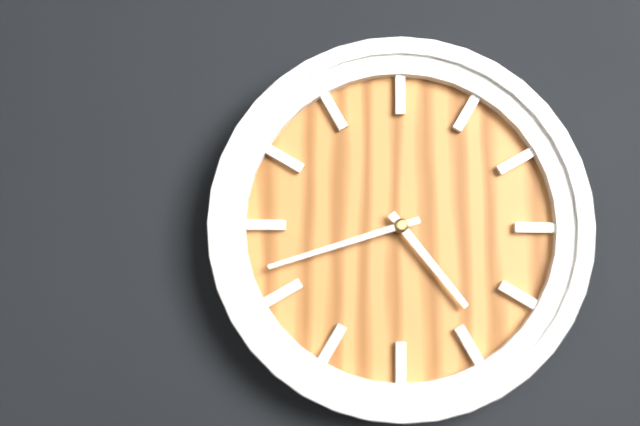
4:42
